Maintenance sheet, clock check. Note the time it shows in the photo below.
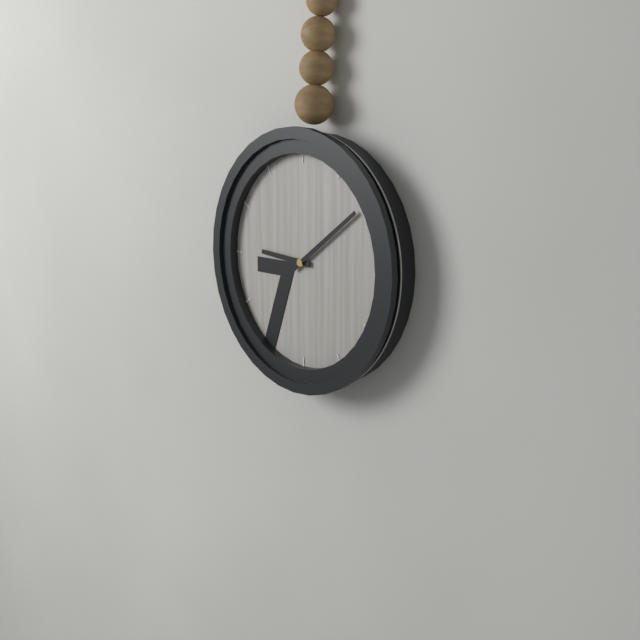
9:09
